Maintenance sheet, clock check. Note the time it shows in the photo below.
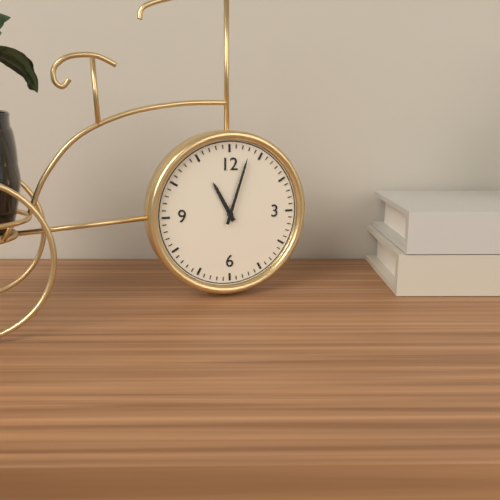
11:03
